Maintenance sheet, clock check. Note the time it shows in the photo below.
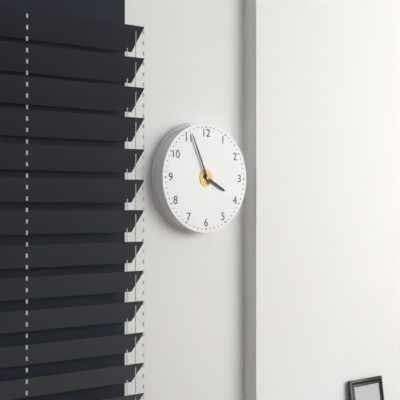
3:56
